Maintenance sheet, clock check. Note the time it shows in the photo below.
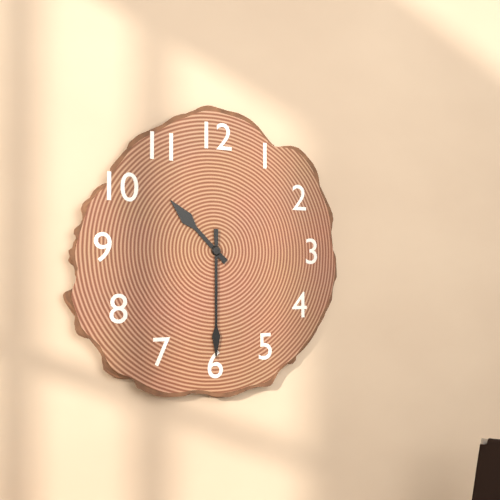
10:30
